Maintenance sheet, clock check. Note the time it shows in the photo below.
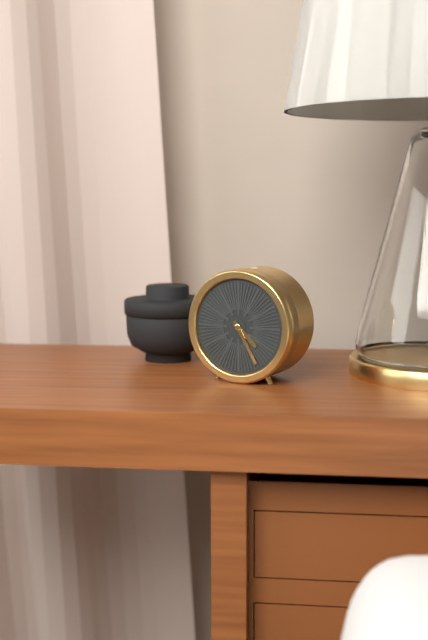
4:25
